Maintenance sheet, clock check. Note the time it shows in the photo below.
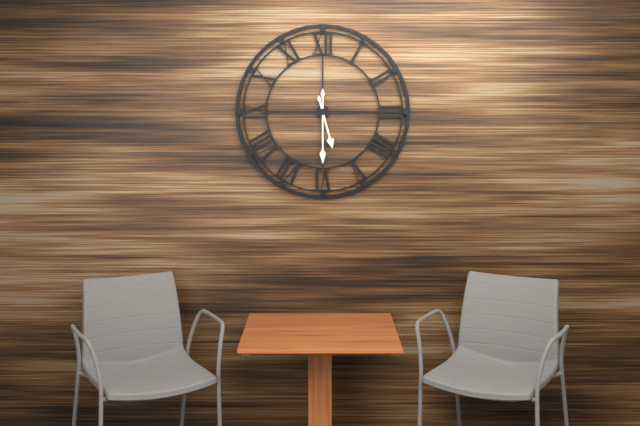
5:30
